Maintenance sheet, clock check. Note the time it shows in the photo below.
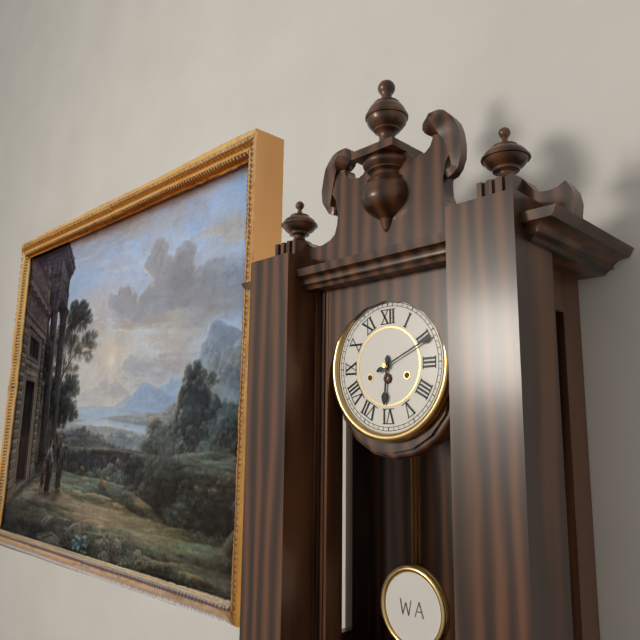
6:11
